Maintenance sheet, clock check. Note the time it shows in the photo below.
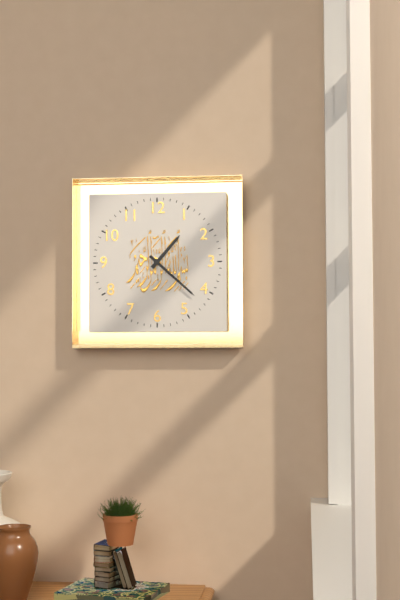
1:22
